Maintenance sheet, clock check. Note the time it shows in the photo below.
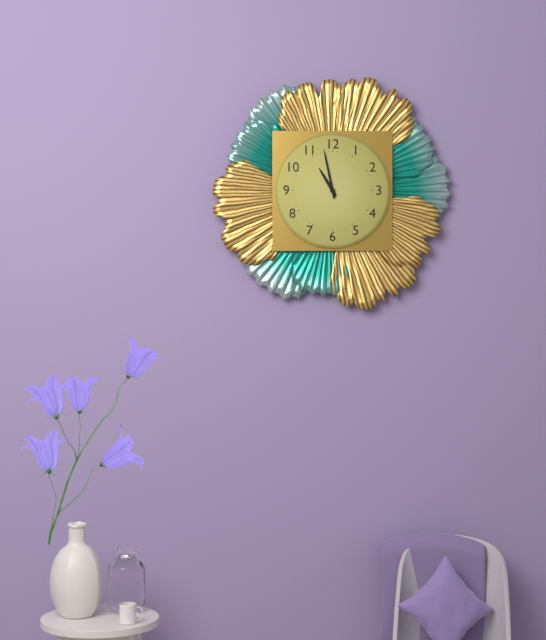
10:58
